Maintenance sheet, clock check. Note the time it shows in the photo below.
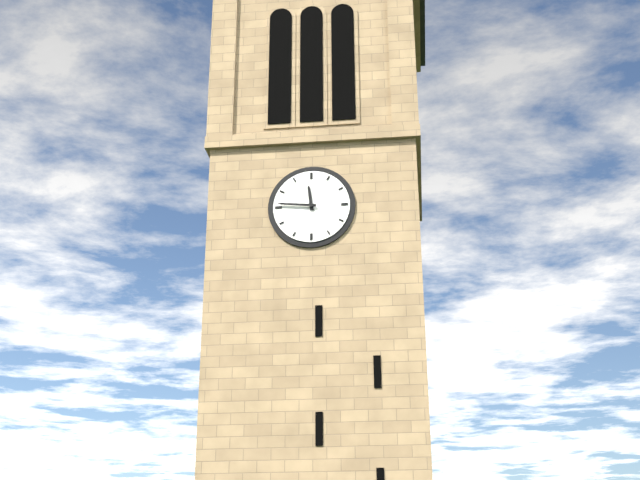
11:46
